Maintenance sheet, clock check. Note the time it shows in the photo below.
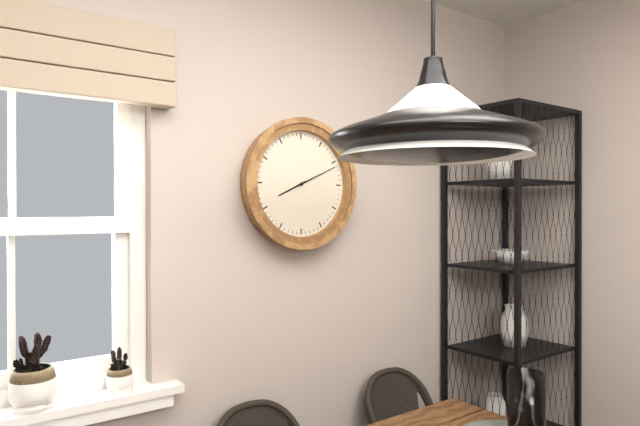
8:11
